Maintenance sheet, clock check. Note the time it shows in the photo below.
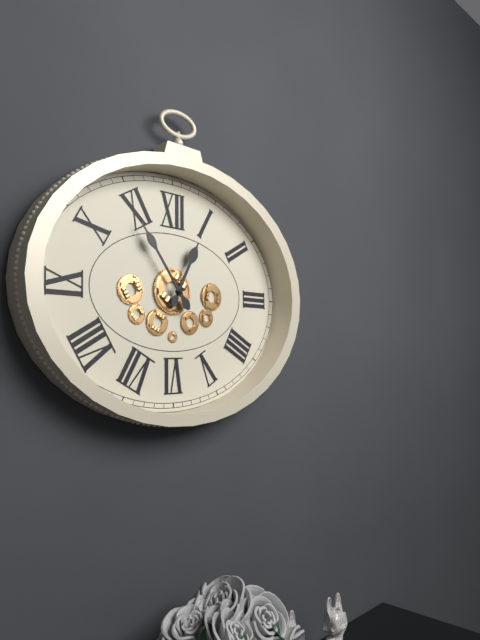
12:54
